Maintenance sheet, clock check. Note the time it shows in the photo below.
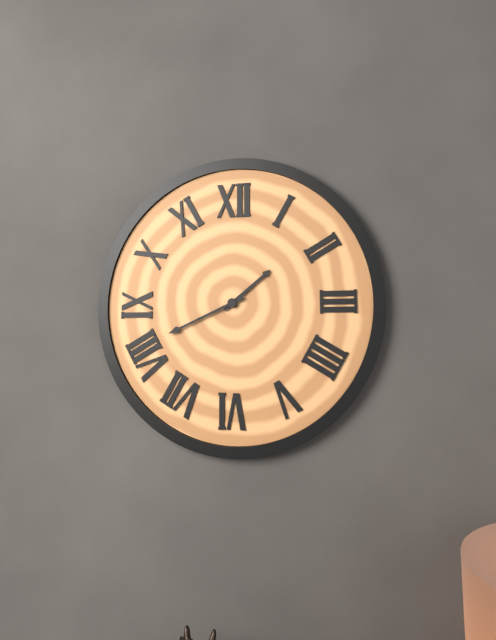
1:41
